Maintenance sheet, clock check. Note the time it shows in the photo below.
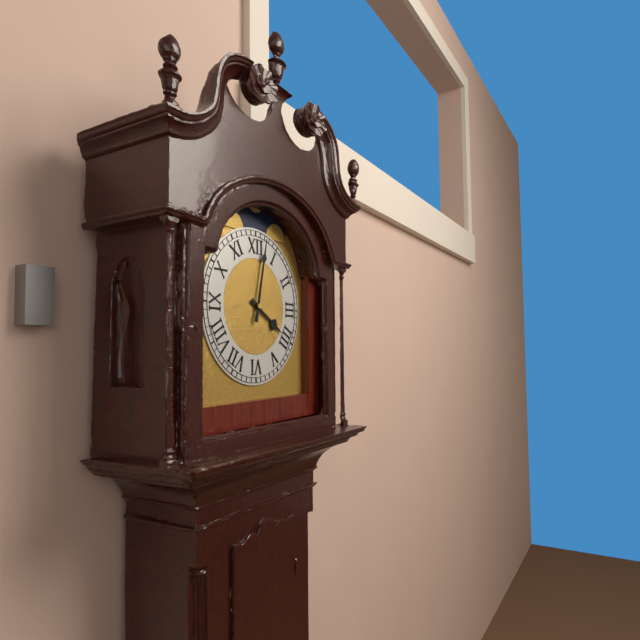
4:02
